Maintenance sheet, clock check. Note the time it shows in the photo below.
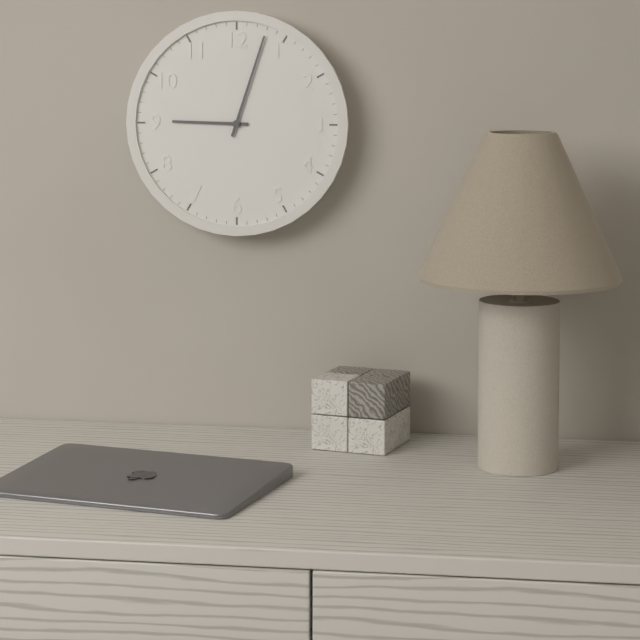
9:03
